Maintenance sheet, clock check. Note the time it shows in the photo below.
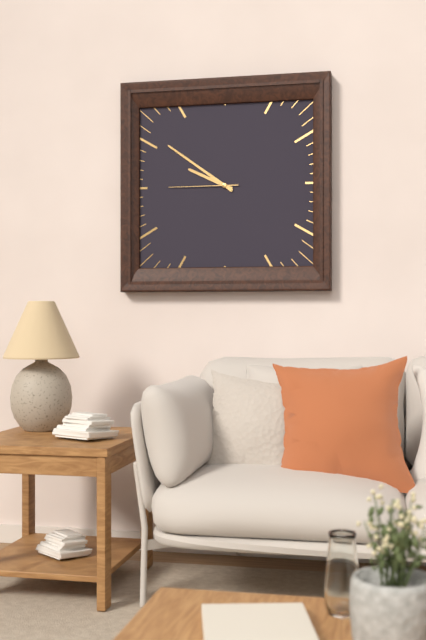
9:51:45
